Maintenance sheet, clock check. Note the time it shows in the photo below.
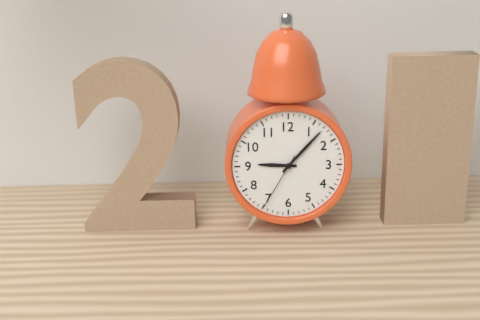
9:07:35
